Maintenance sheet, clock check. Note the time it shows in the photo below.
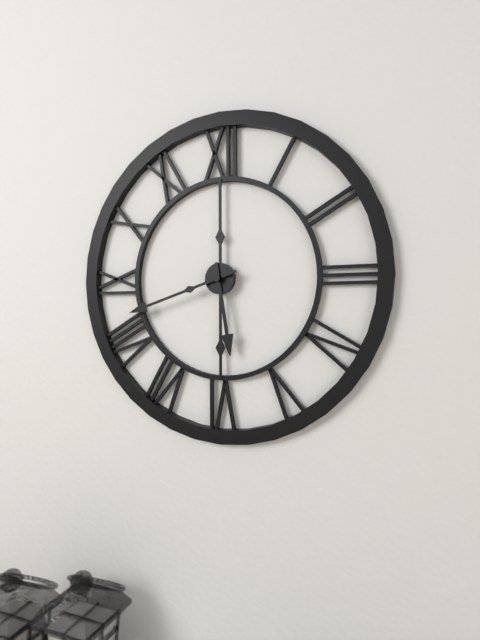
5:42
